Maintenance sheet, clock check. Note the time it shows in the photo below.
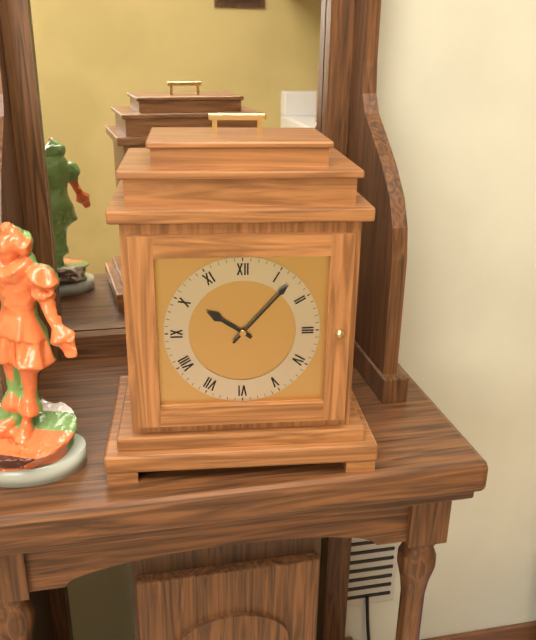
10:07
